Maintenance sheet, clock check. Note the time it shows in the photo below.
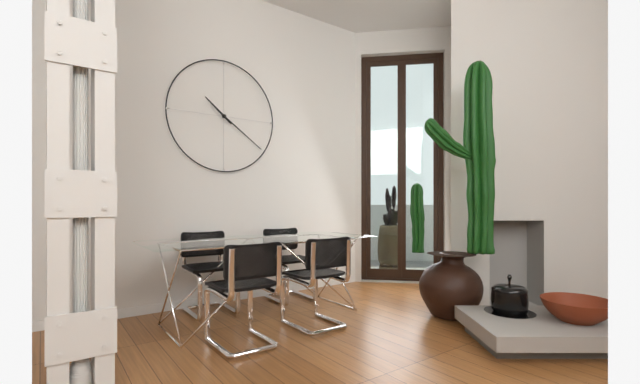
10:21
